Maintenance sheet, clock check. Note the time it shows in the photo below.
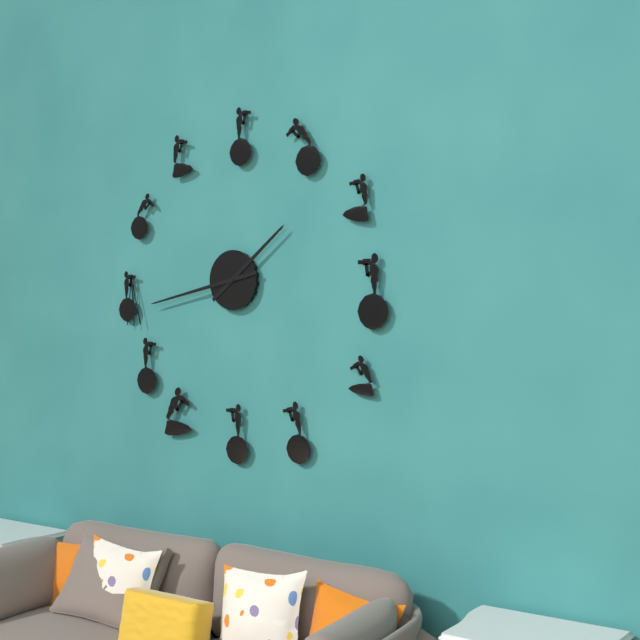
1:43
